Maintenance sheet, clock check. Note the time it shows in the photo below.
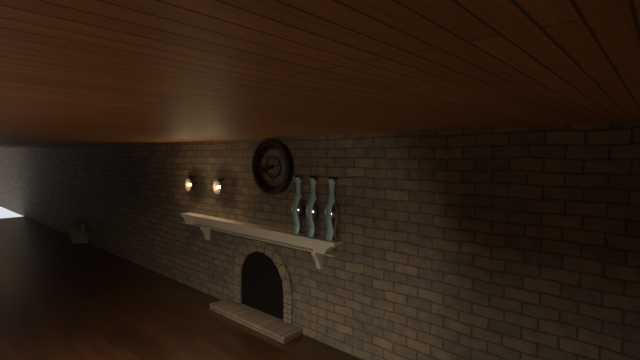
8:41
